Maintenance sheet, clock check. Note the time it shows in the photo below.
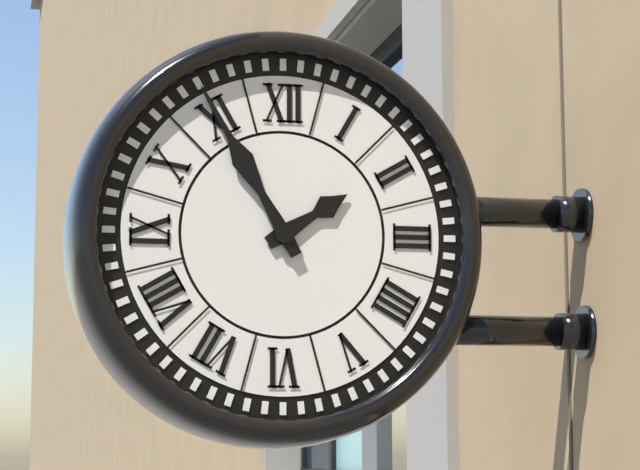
1:55
